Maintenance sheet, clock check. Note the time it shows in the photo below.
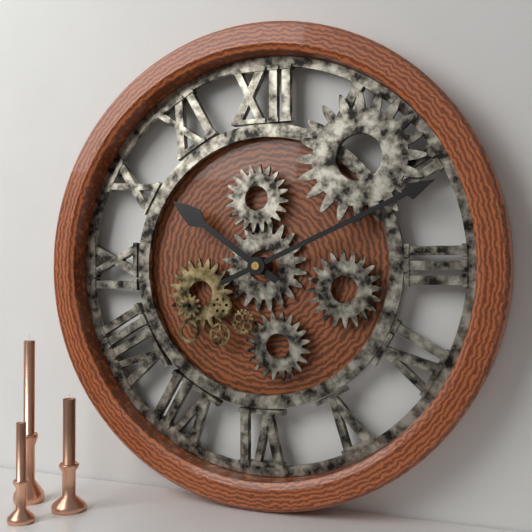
10:11
